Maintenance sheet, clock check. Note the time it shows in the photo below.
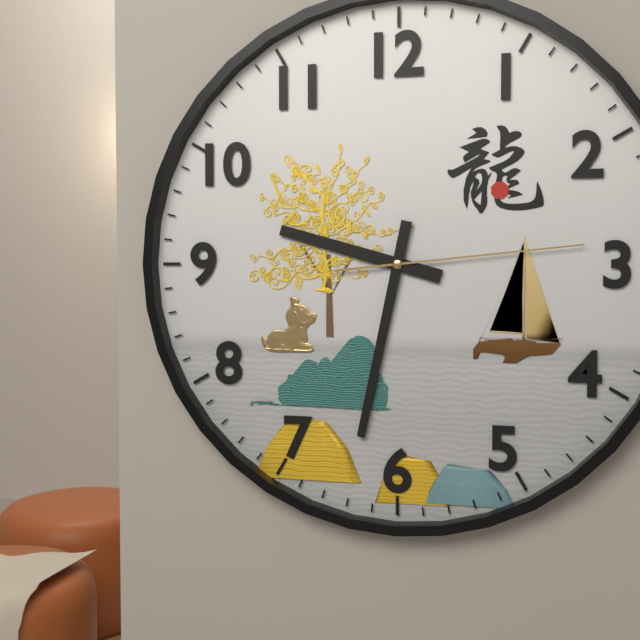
9:32:14
